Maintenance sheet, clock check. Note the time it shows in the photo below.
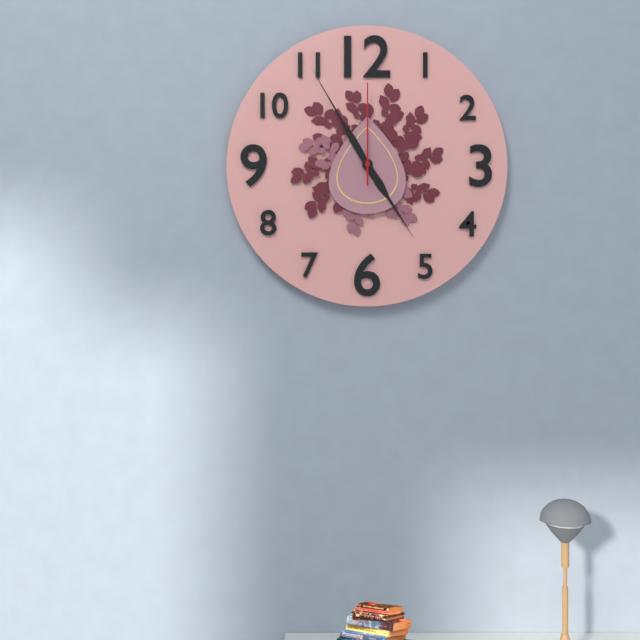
4:55:00
